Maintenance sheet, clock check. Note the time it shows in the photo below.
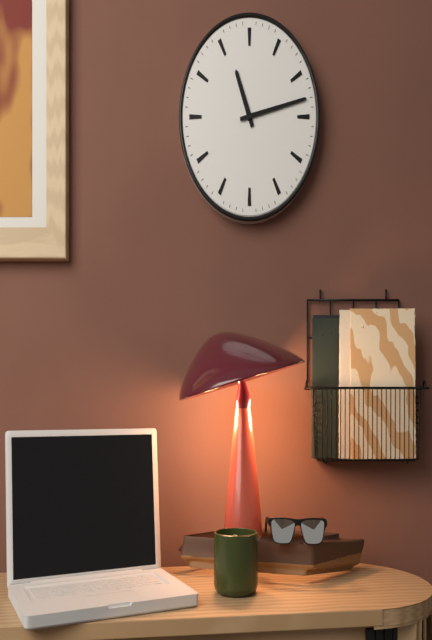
11:13
